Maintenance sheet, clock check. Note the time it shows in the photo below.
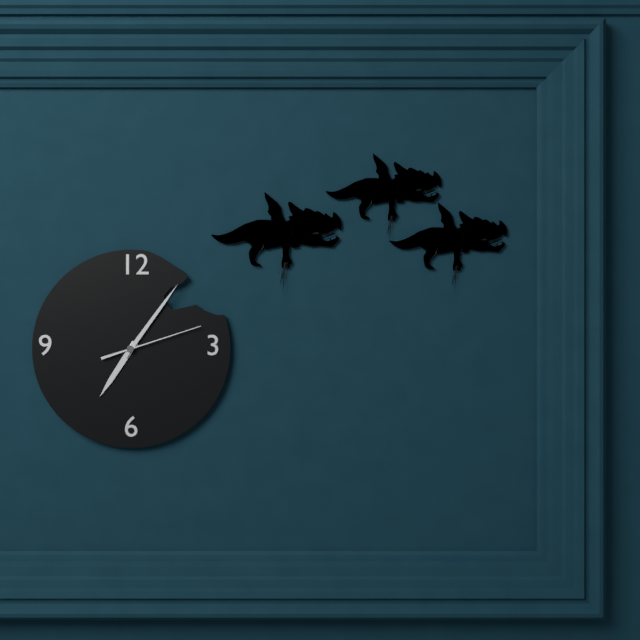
7:06:12
